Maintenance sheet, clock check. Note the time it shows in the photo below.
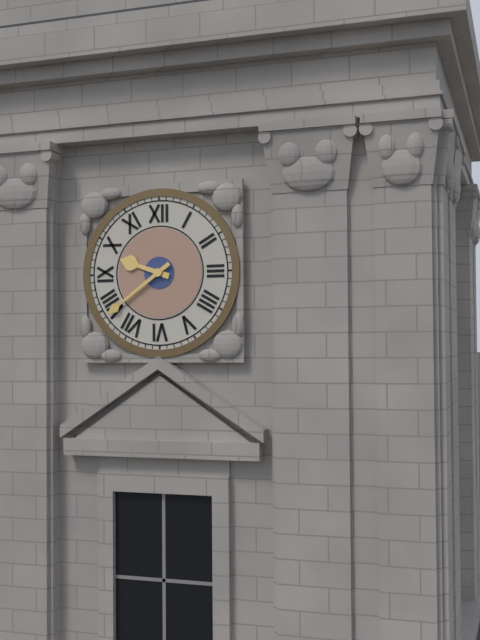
9:39
